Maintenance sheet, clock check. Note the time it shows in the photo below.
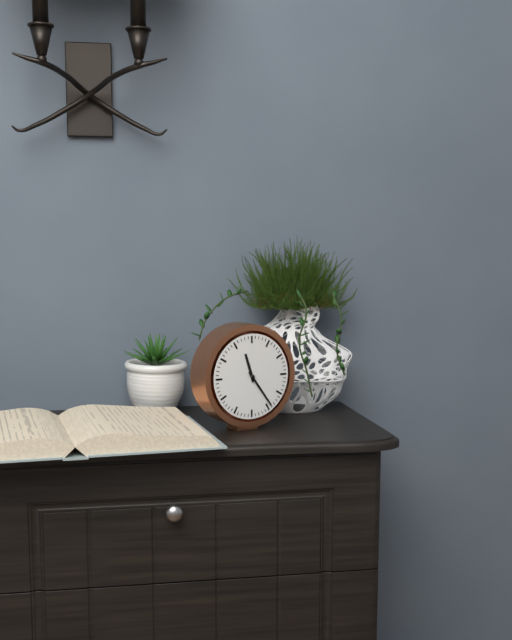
11:24
